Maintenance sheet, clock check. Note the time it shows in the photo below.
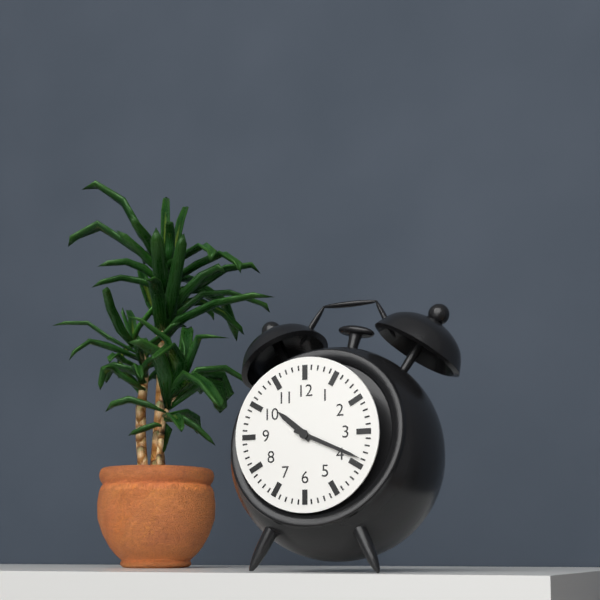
10:19
